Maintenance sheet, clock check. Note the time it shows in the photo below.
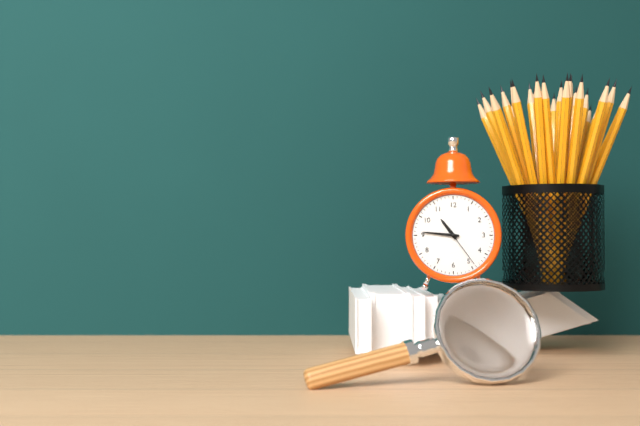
10:46
